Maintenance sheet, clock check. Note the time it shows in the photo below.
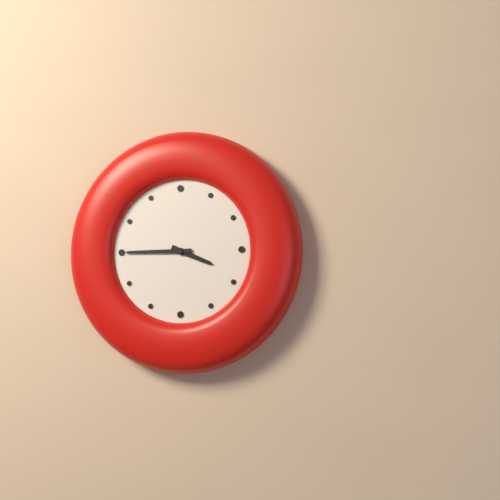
3:45
